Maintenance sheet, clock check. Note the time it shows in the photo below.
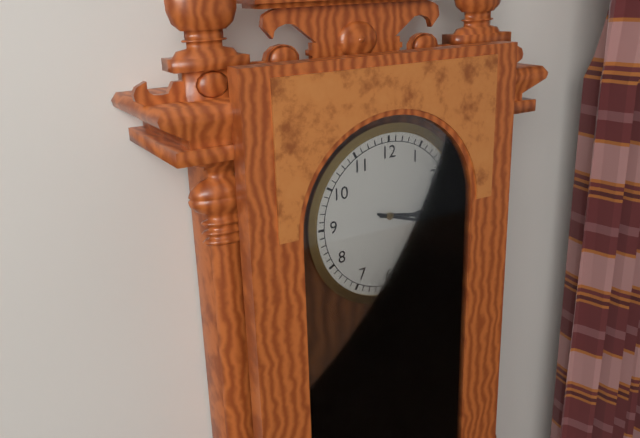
3:18
